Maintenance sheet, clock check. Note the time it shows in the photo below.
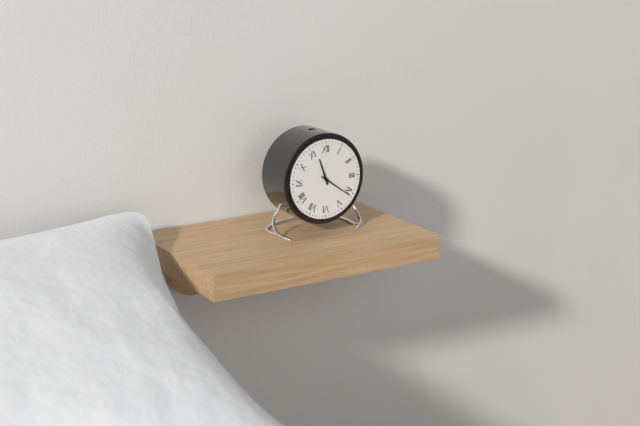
11:21
